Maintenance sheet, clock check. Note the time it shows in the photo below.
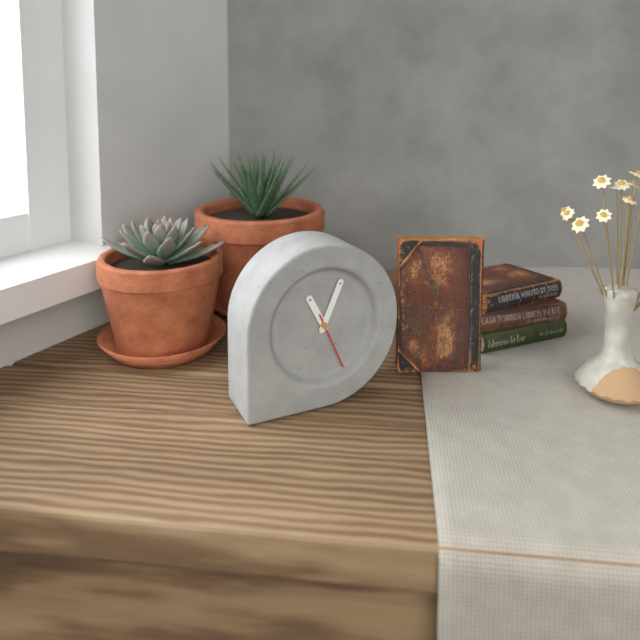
11:04:26
